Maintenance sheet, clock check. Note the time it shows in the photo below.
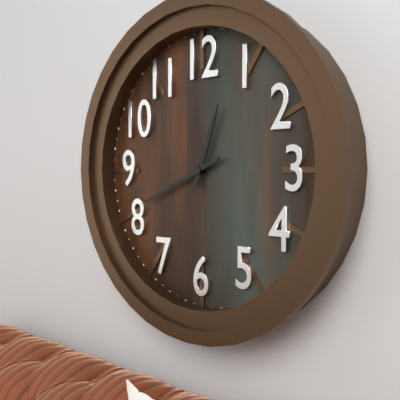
12:41
